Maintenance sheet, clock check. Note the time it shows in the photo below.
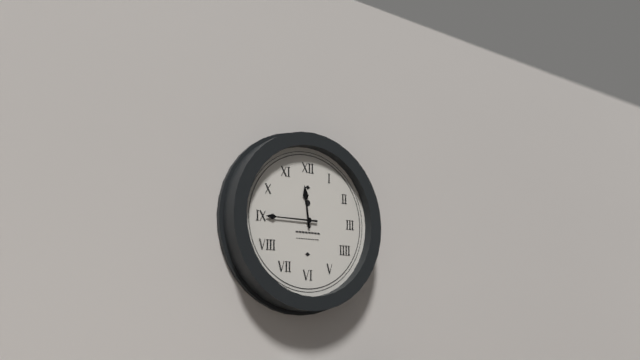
11:45
